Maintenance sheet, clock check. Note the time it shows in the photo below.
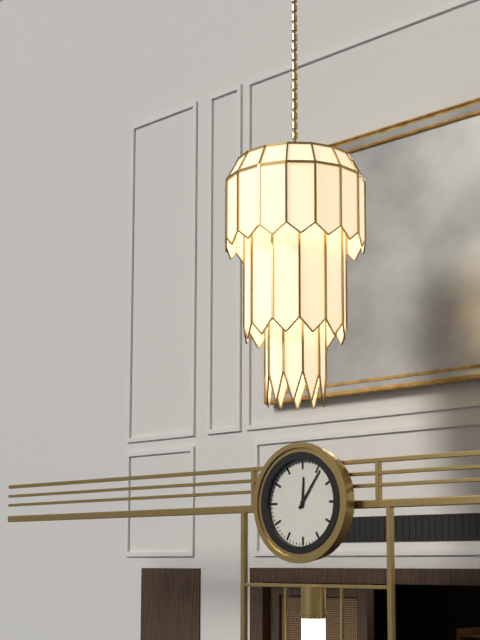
12:06
